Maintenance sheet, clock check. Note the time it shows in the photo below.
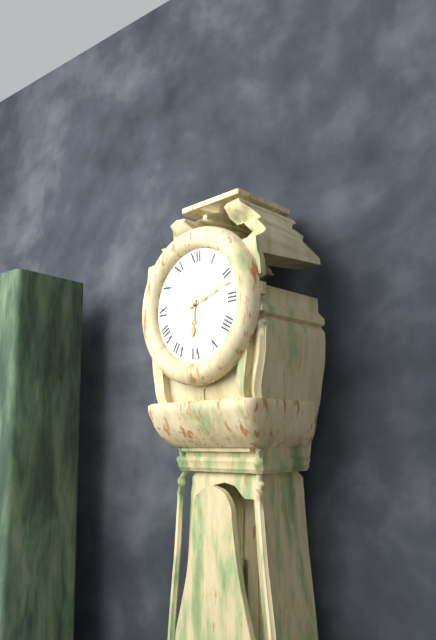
6:12
